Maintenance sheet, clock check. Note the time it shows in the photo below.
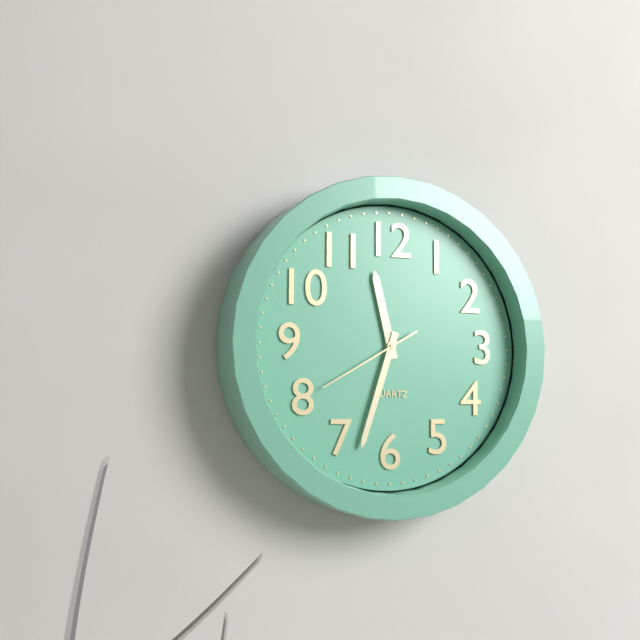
11:33:40
